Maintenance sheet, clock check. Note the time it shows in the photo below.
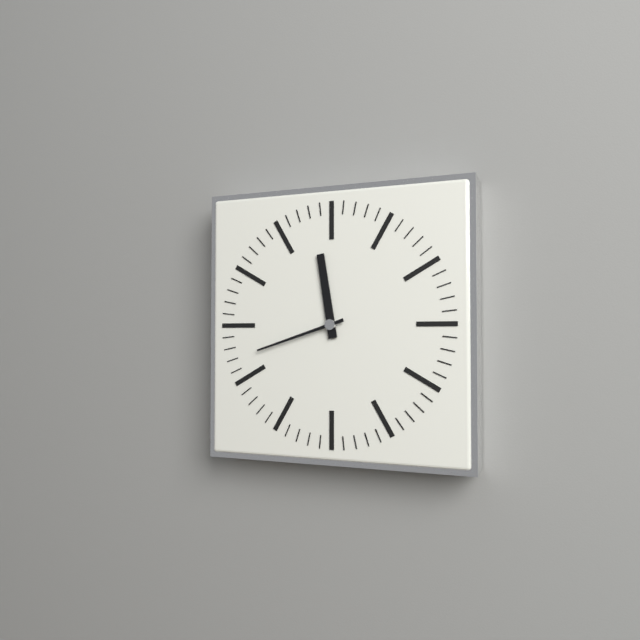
11:42
